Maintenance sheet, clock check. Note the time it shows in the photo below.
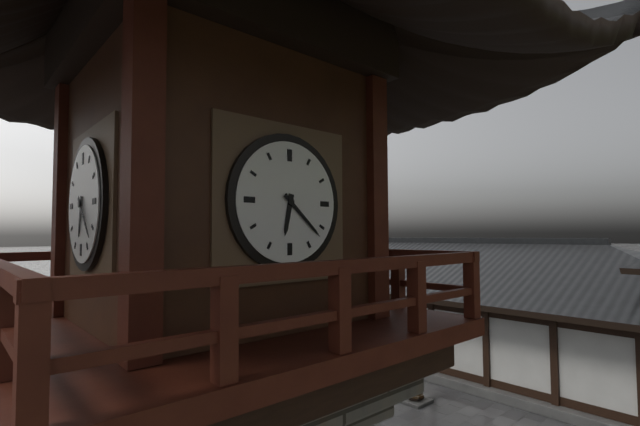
6:22
